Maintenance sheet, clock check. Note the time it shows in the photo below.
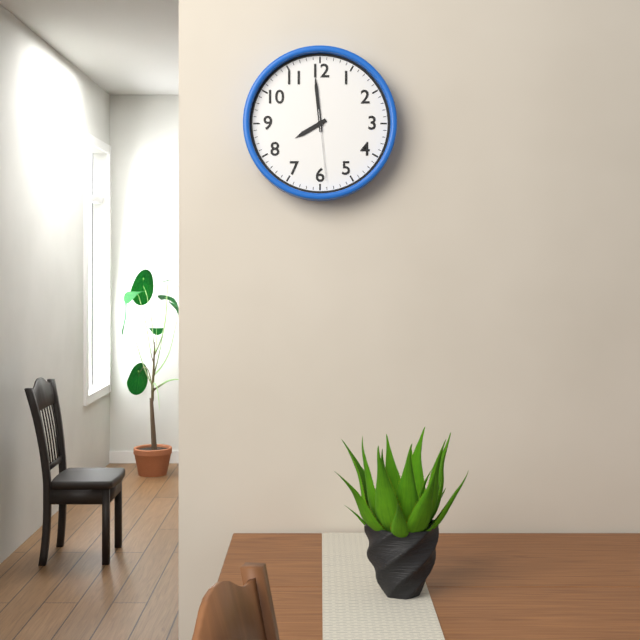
7:59:29
